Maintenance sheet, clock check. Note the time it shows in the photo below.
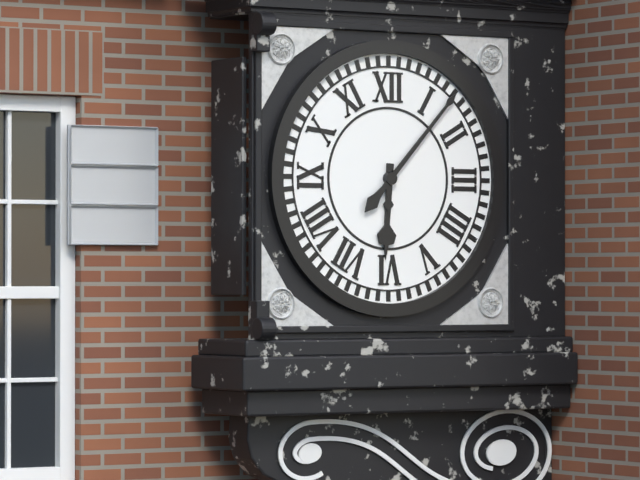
6:07
